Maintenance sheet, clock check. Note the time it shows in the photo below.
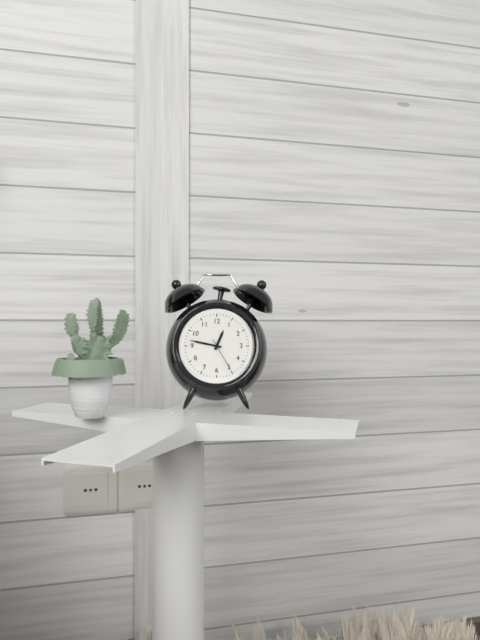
12:47
